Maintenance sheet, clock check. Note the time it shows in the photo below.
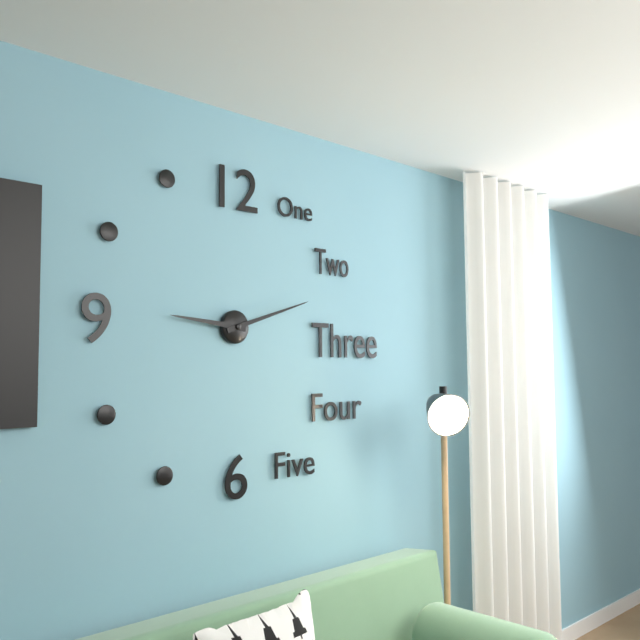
9:12
